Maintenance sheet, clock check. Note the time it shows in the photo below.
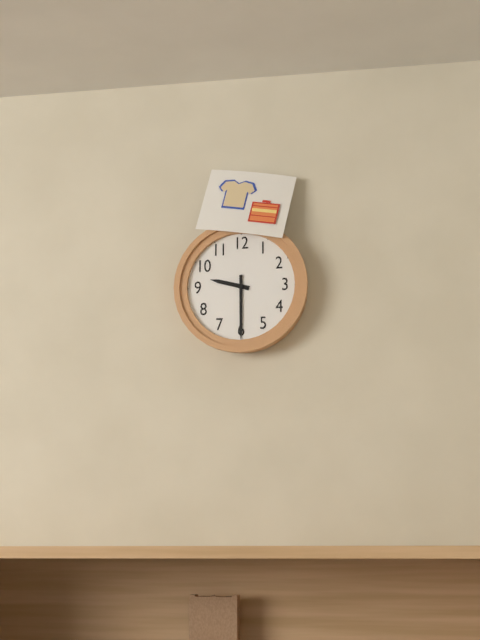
9:30
